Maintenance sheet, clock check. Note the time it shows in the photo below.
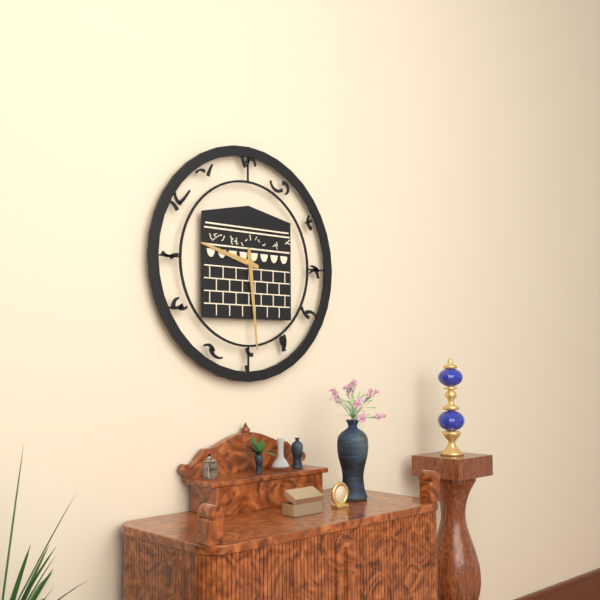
9:29
